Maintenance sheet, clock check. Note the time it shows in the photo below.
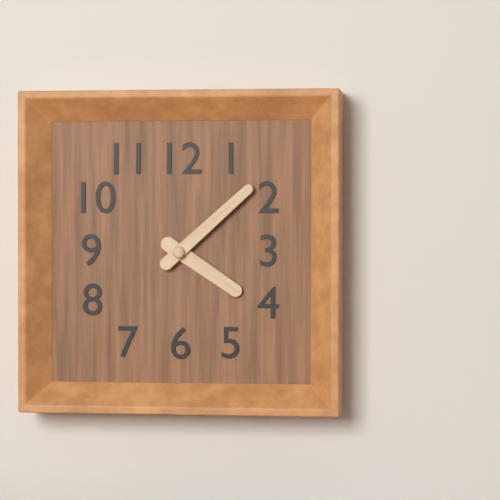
4:08
